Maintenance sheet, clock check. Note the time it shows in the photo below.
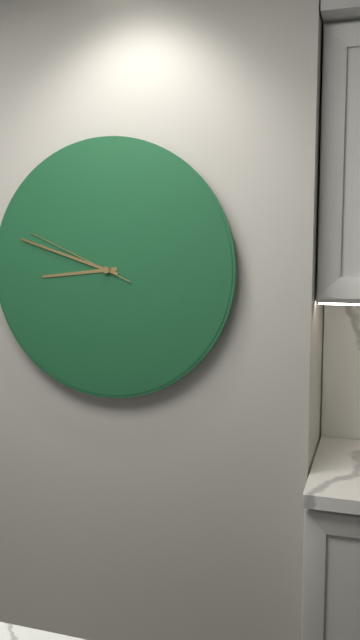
8:48:49
